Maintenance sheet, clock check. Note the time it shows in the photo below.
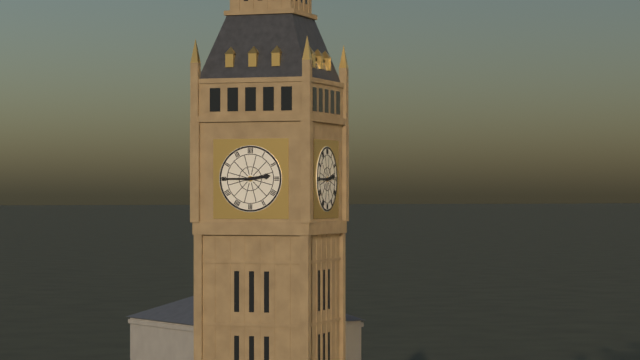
2:45
